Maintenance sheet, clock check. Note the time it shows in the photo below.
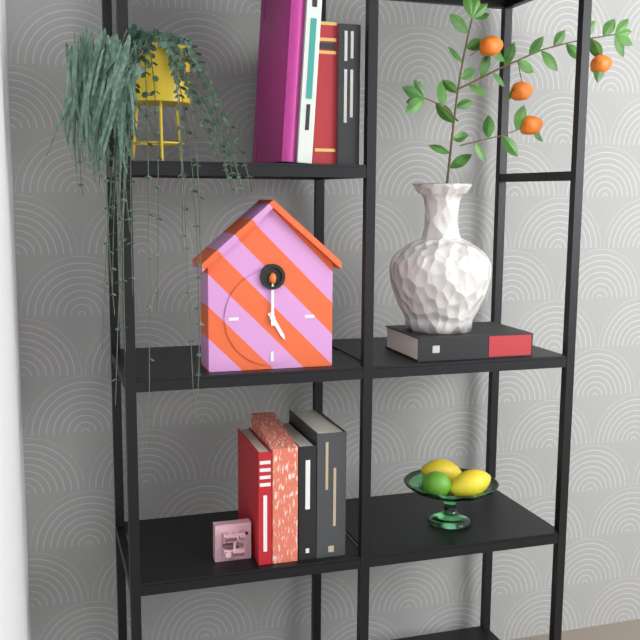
5:00
